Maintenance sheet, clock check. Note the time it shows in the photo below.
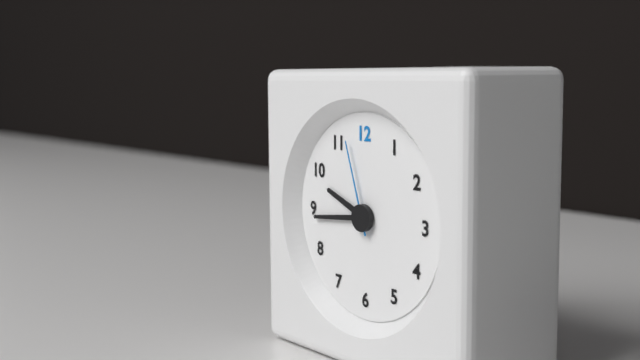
9:44:57
